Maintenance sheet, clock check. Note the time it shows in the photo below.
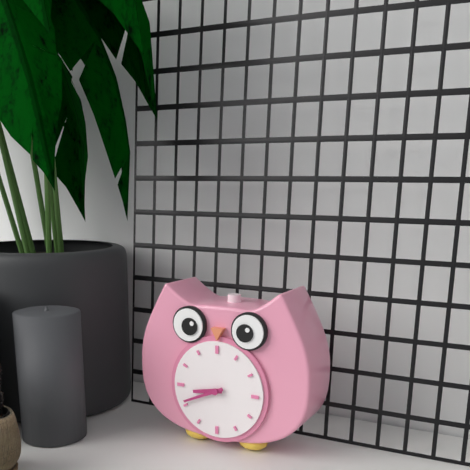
8:41
